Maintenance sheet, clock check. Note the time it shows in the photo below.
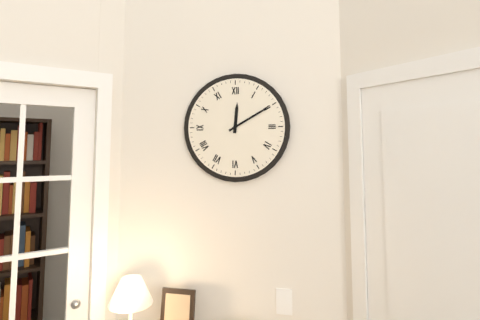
12:10
